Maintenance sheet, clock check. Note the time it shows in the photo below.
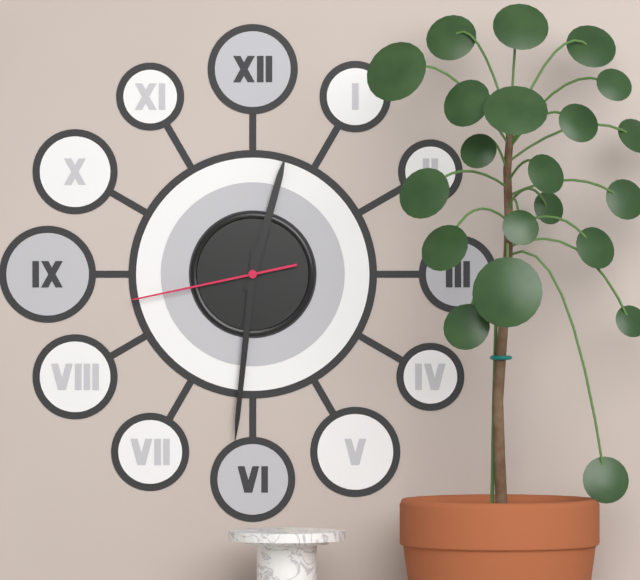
12:31:43
